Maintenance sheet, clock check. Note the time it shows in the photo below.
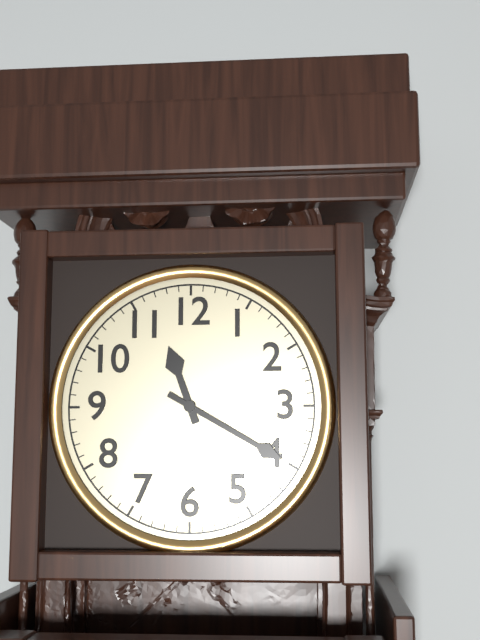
11:20
